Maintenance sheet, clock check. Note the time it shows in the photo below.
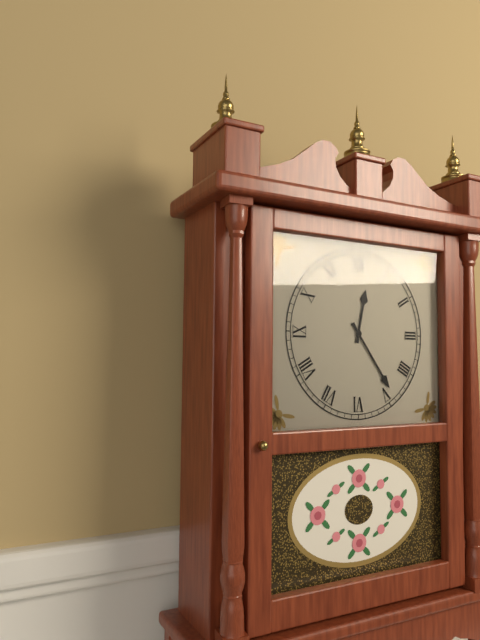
12:24
